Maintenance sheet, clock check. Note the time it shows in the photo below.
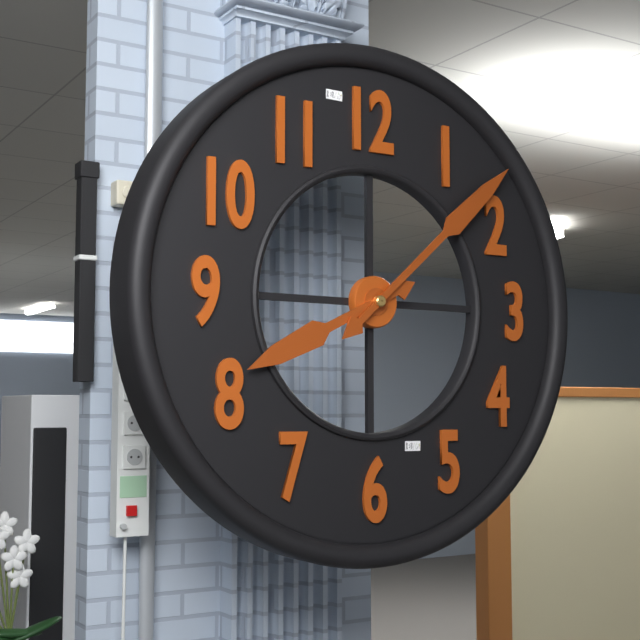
8:08
